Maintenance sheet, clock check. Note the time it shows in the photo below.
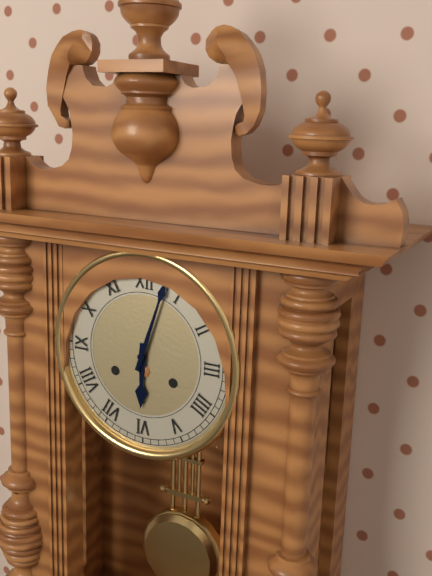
6:03
